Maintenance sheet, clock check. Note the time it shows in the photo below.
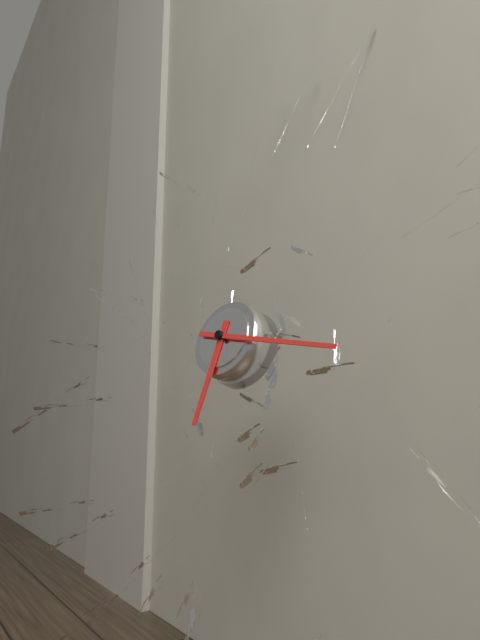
6:17
